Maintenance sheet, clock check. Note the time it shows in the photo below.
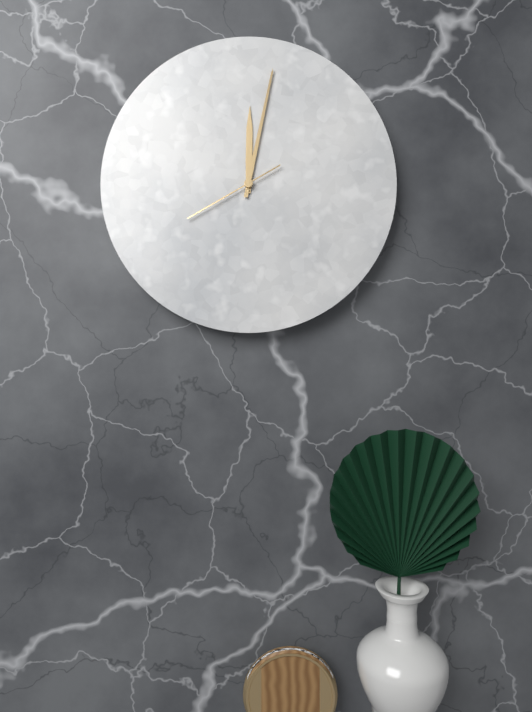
12:02:40
